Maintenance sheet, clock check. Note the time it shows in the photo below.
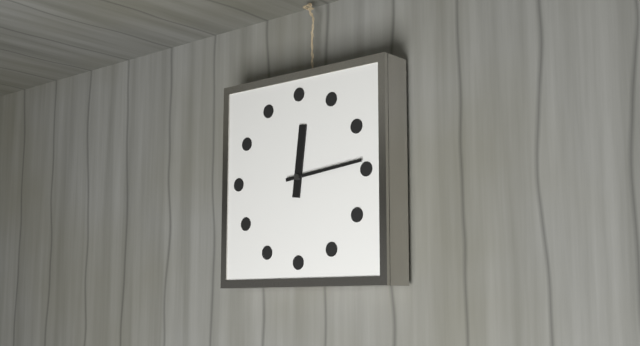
12:14
